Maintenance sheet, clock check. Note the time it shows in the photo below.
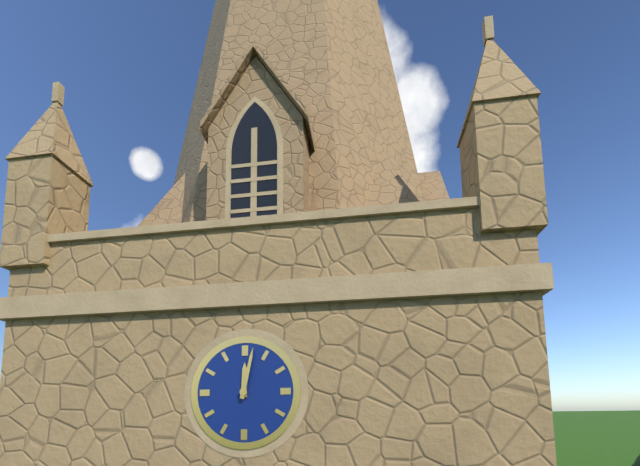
12:02
